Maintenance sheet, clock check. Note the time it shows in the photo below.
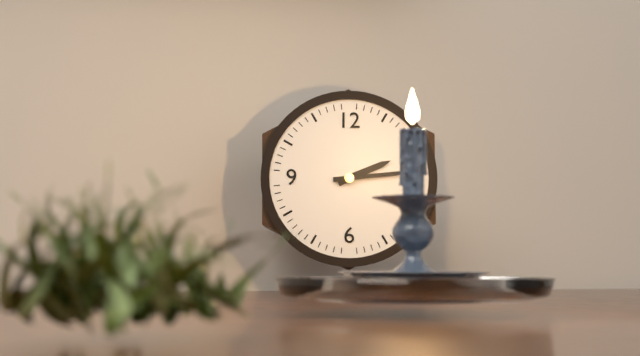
2:14
